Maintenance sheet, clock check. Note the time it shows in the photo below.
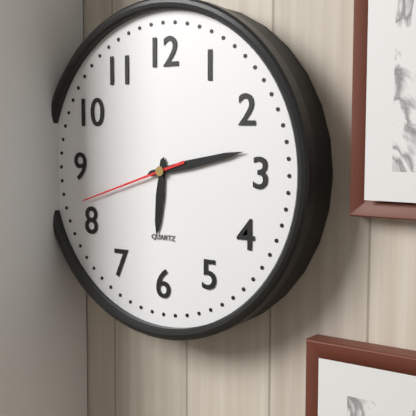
6:13:42
